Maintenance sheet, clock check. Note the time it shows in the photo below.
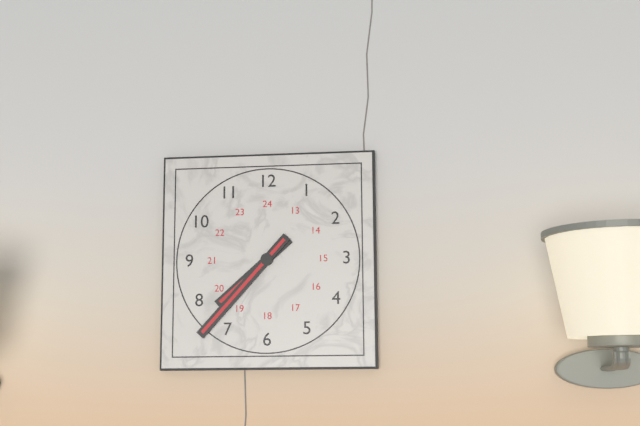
7:37
